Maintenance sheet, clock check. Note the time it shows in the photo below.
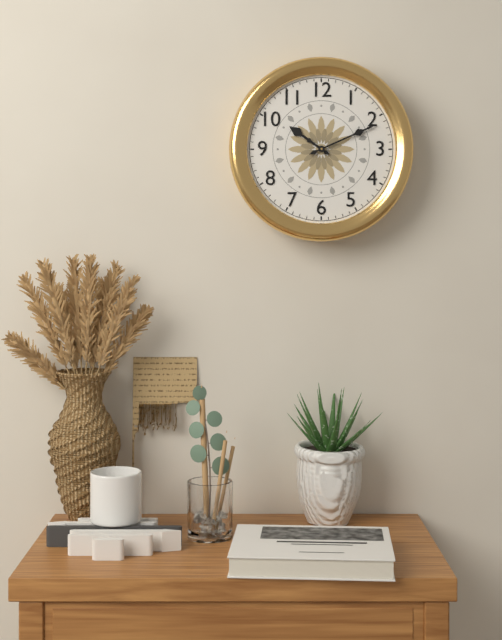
10:11
